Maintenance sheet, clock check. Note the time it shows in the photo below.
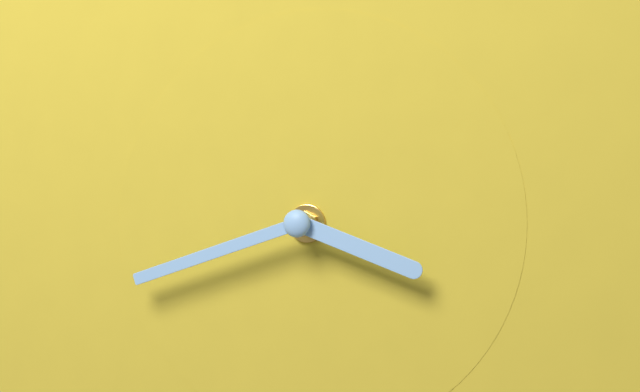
3:42
